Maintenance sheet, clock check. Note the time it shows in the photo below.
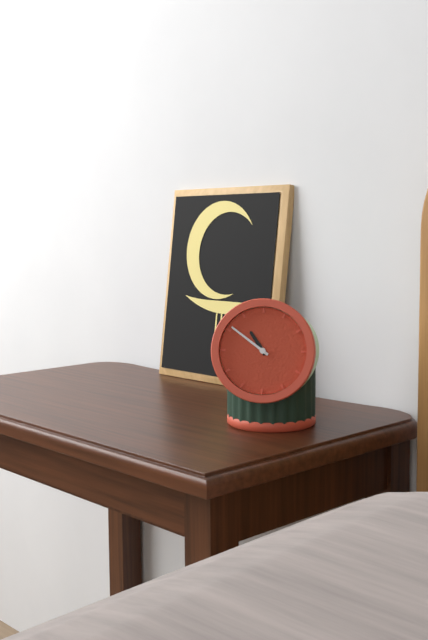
10:51
